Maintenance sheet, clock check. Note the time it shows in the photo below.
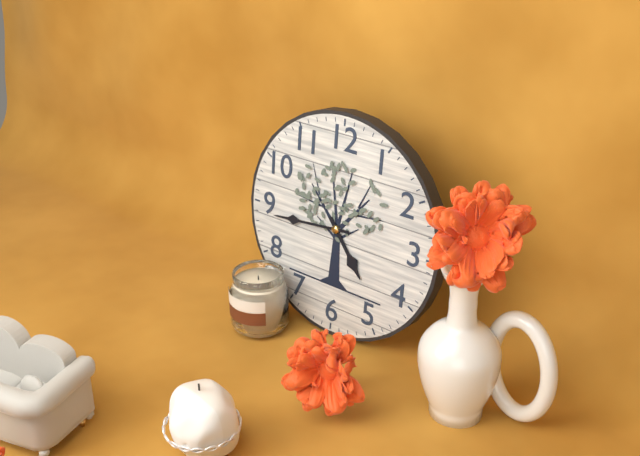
4:44
